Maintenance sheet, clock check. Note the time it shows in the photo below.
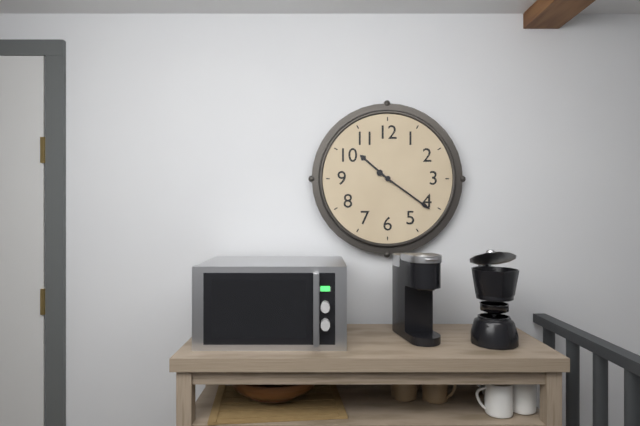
10:21
